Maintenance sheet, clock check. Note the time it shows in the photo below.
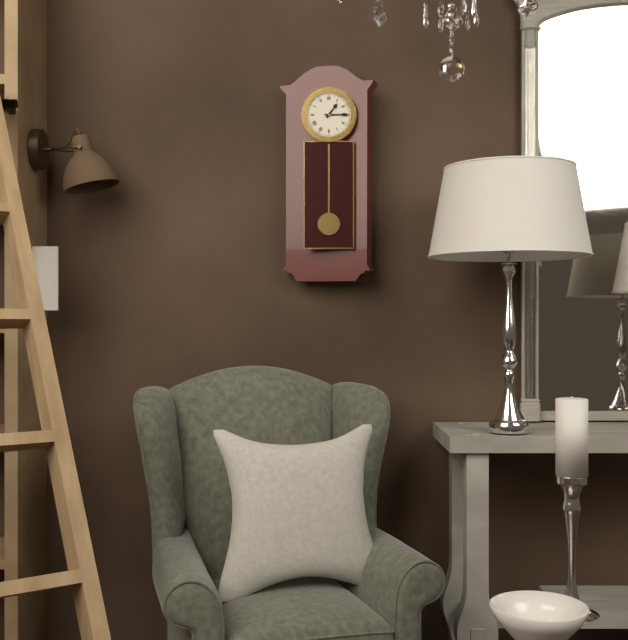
1:15
